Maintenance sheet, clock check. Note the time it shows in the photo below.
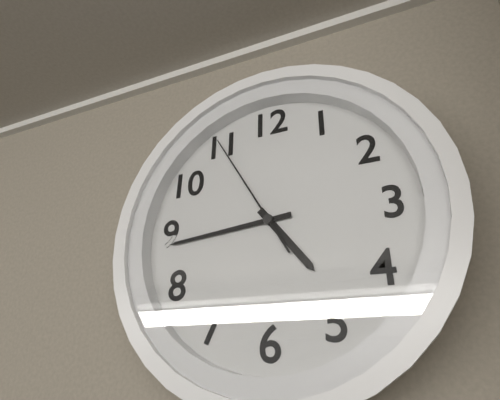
4:44:55
